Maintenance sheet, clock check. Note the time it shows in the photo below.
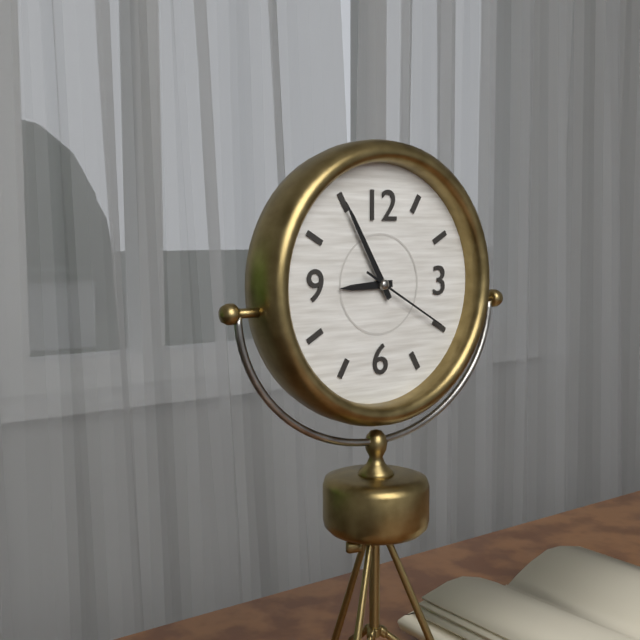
8:55:20
